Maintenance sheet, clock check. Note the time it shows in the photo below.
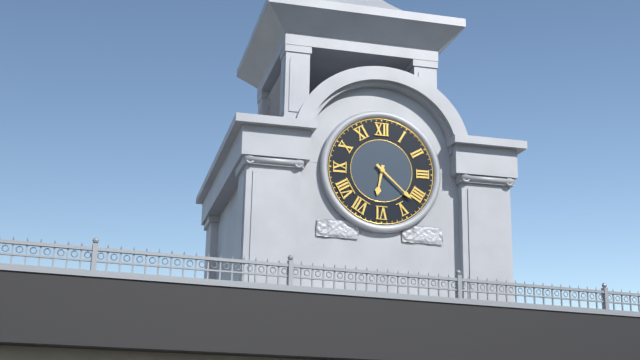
6:22
